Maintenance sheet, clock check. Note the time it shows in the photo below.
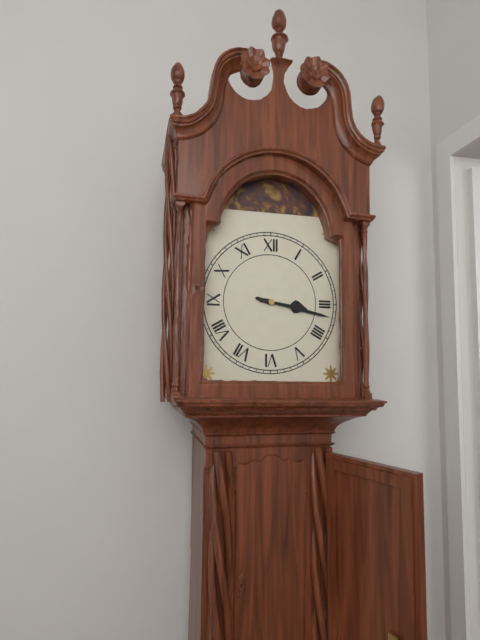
3:17
